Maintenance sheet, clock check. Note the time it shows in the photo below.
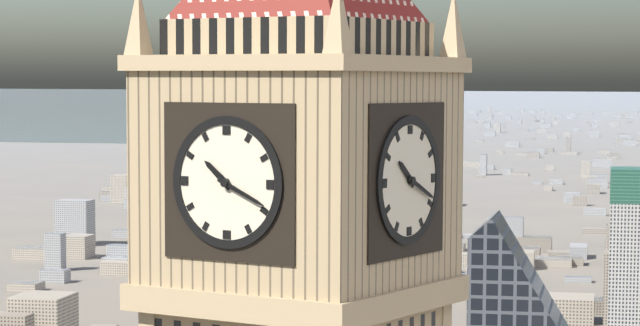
10:19
